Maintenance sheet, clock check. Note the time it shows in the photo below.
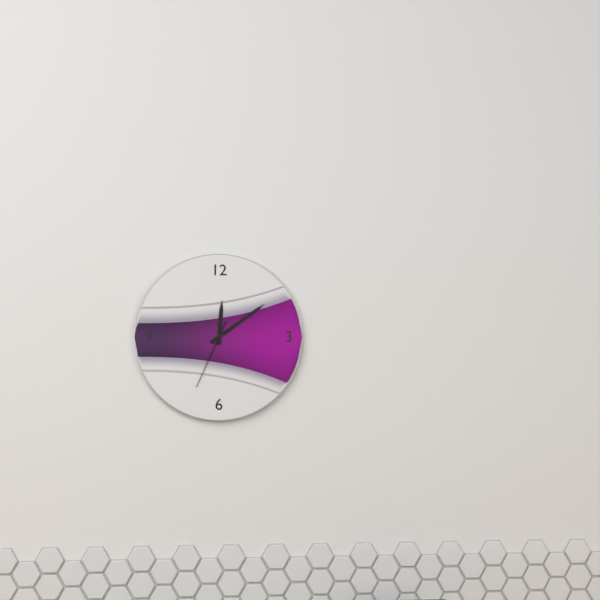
12:09:34
